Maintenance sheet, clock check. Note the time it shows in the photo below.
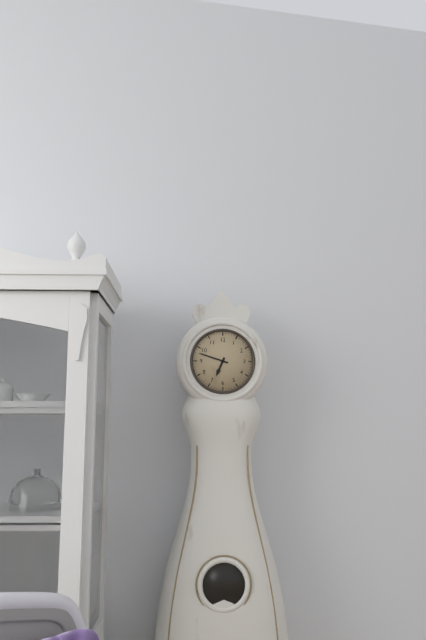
6:48
